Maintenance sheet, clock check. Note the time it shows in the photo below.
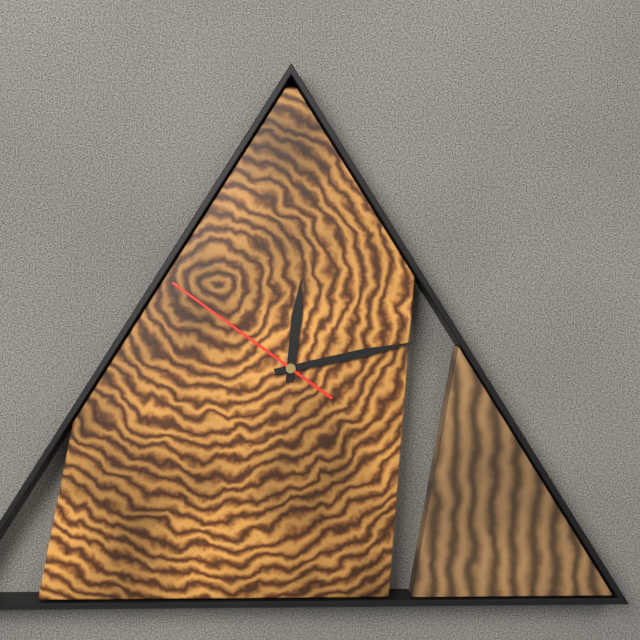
12:13:51
